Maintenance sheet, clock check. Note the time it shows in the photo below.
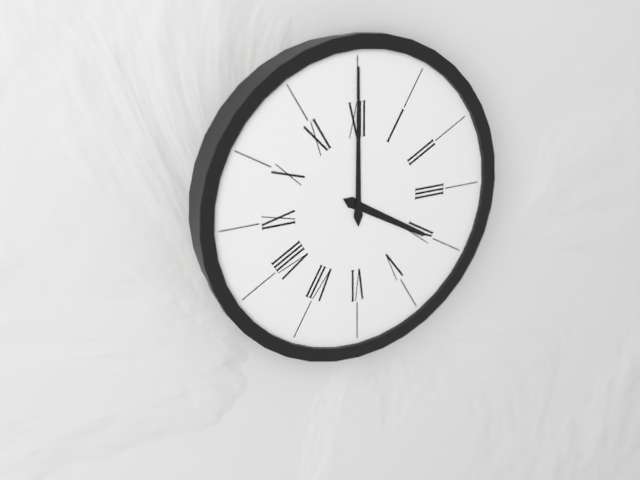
4:00
